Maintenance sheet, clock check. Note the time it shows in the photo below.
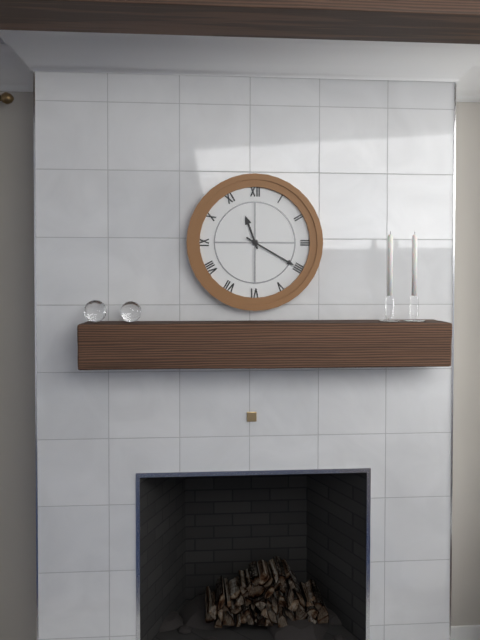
11:20
